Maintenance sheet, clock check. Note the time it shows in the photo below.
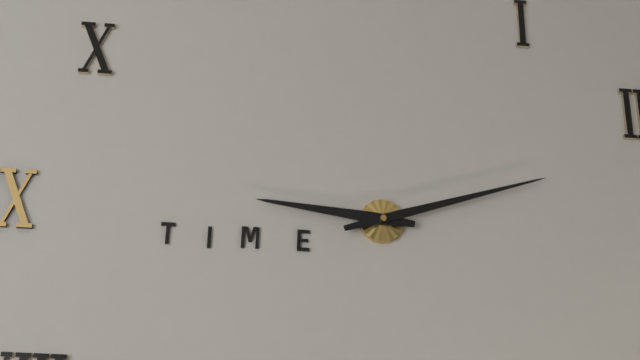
9:12
